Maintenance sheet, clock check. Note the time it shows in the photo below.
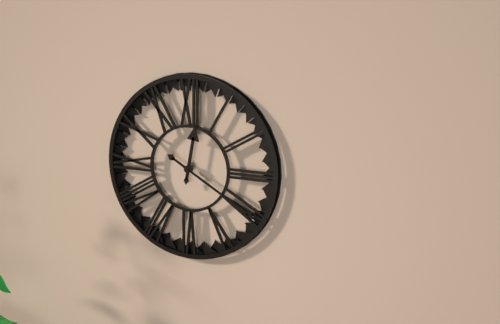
12:20
